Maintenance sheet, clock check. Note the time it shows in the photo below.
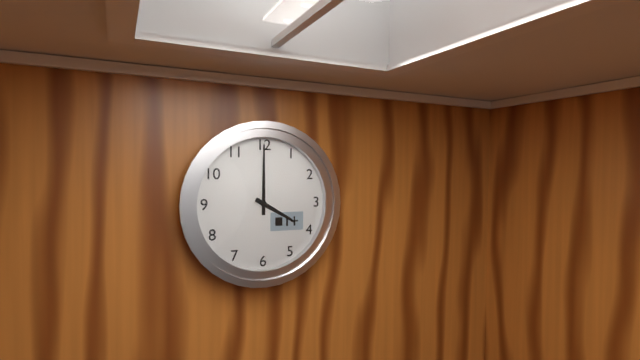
4:00
